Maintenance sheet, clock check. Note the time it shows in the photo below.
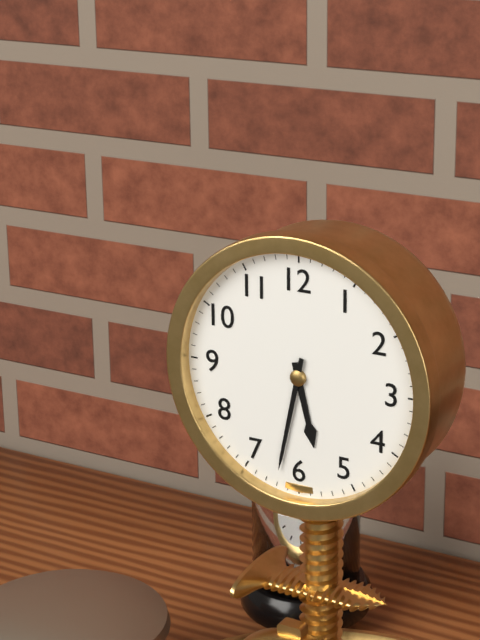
5:32
